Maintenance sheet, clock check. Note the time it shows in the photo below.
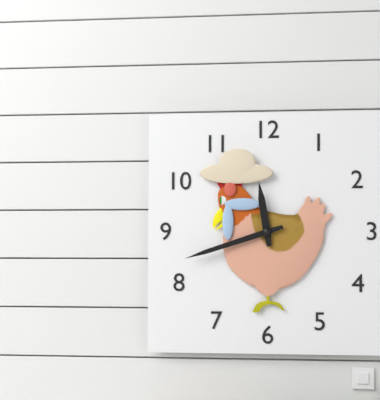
11:42
